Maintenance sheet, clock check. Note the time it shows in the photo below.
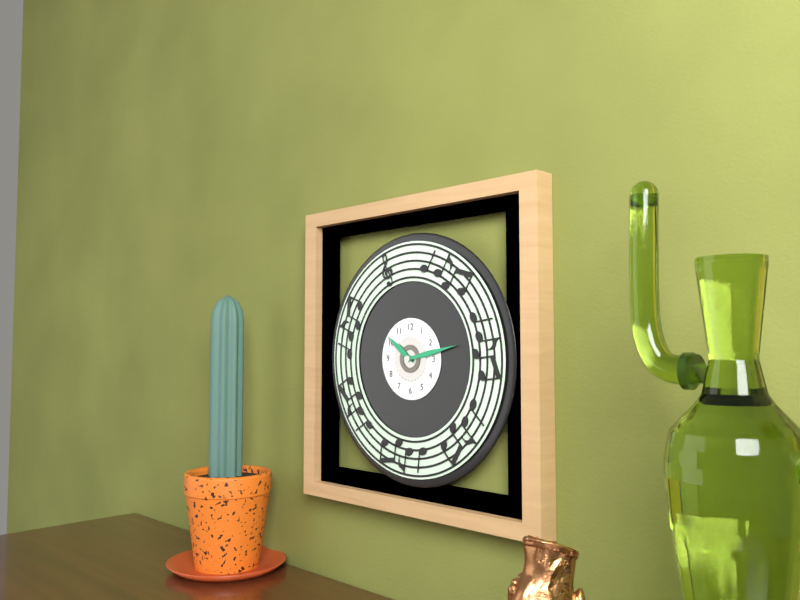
10:13
